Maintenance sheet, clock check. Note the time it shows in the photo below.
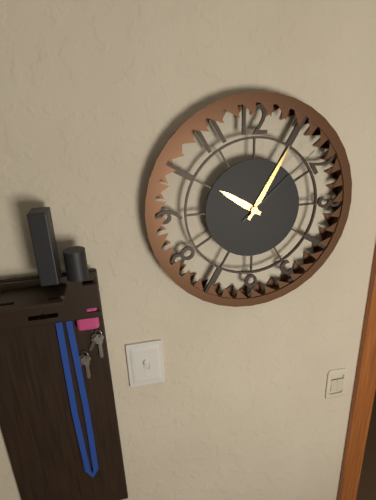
10:05:08
